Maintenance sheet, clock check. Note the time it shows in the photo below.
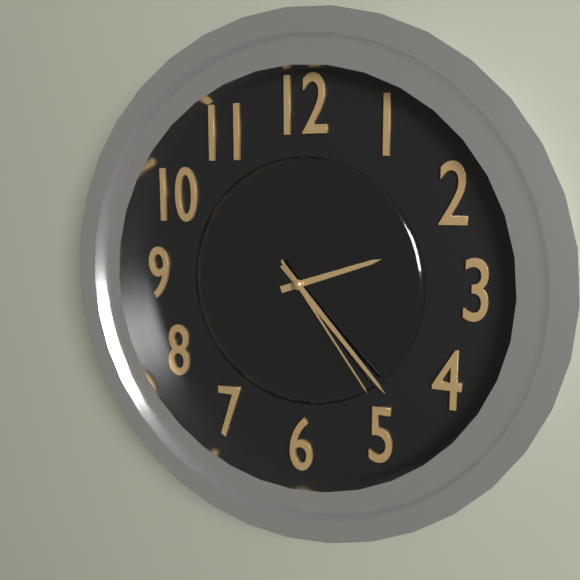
2:23:24
